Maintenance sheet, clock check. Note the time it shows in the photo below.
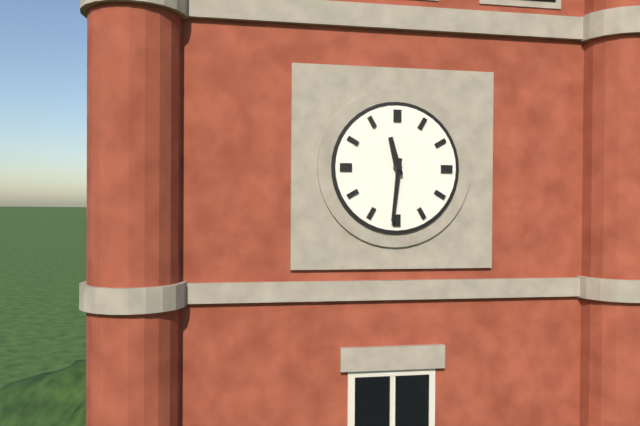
11:31
